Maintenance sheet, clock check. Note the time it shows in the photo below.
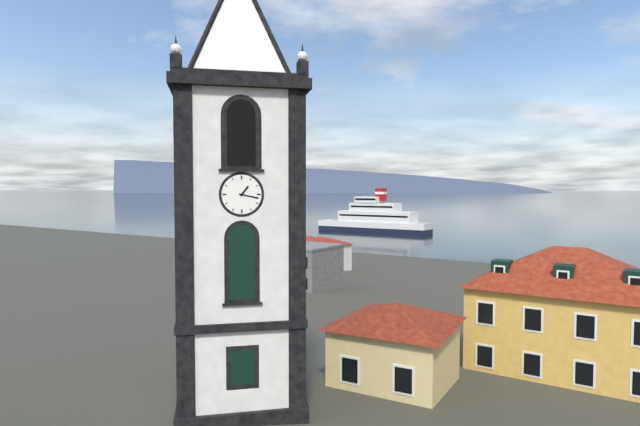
1:17
